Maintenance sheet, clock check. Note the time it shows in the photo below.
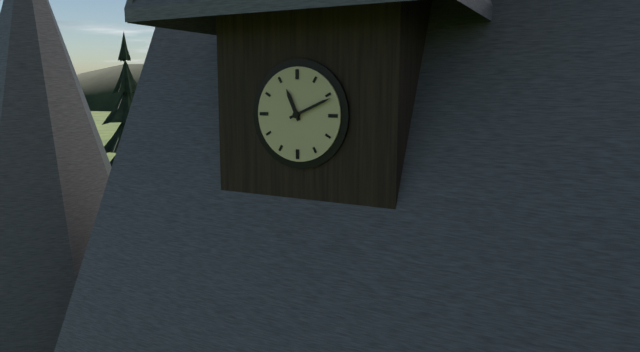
11:11
